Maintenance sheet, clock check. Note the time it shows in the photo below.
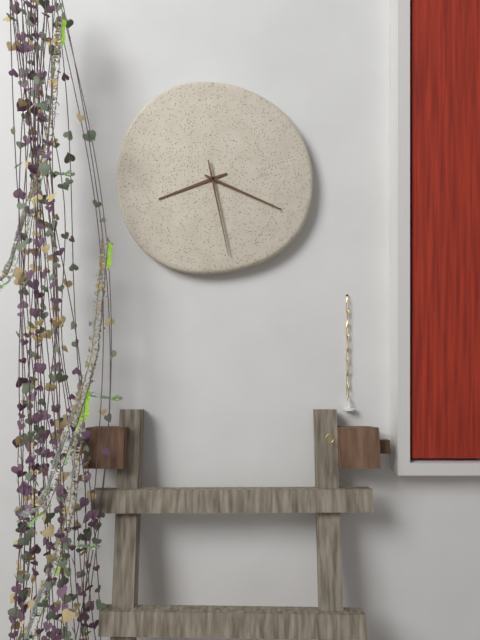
8:19:28
